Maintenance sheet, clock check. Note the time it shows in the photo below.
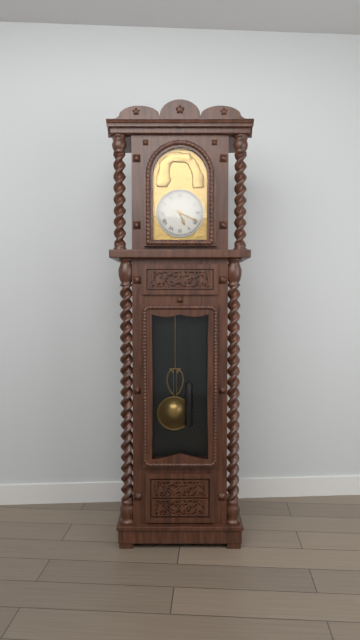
5:19
